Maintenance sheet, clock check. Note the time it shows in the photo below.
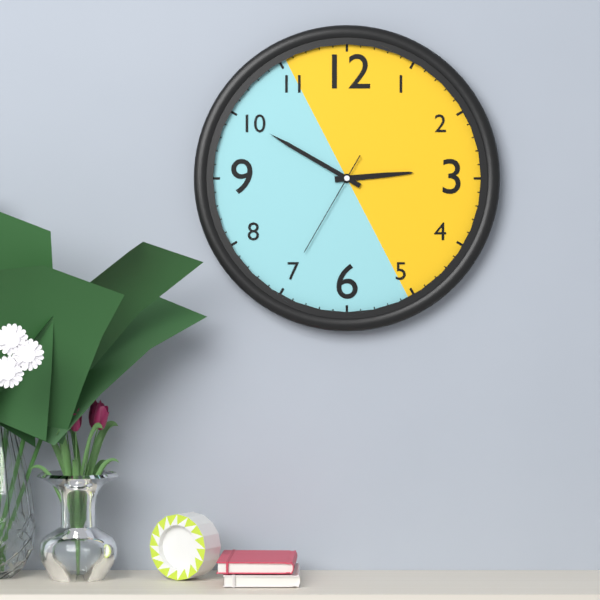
2:50:35
